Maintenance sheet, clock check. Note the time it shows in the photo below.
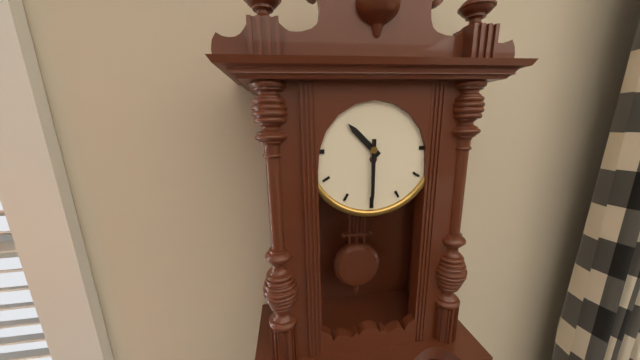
10:30
